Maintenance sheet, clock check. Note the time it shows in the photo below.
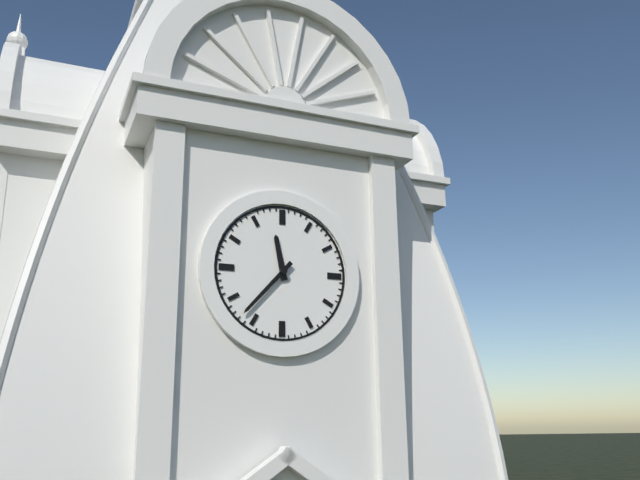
11:37
